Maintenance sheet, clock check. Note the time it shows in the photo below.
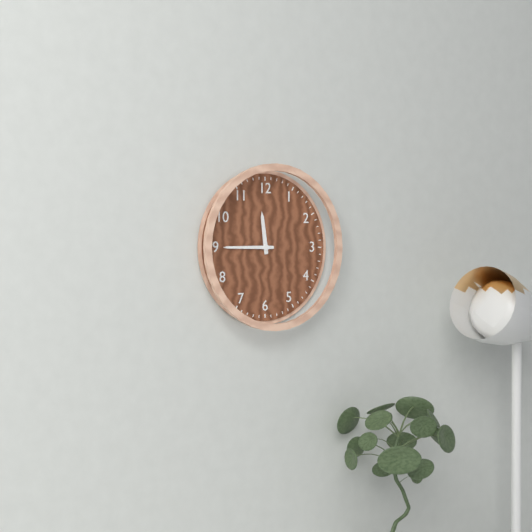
11:45
